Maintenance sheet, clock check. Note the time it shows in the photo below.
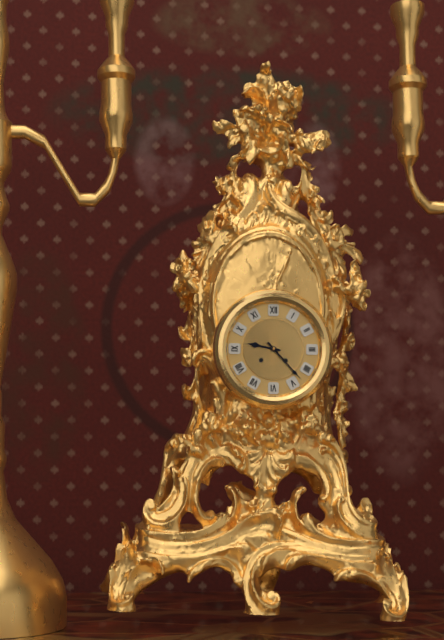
9:23
